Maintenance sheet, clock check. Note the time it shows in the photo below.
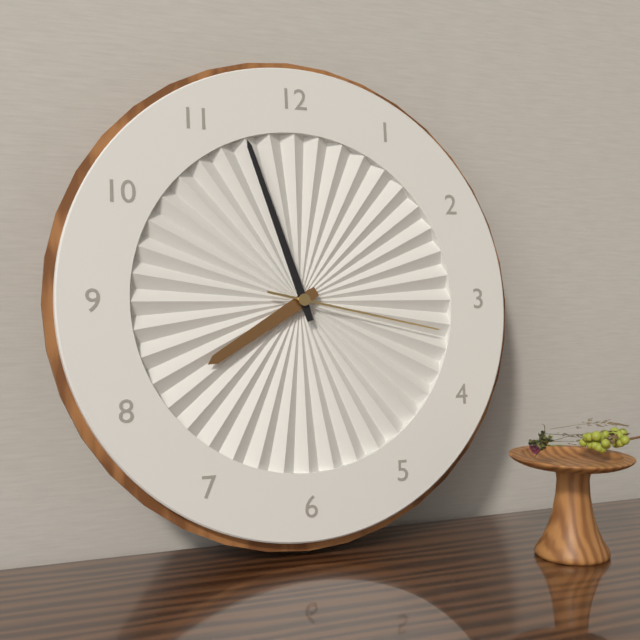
7:57:17
